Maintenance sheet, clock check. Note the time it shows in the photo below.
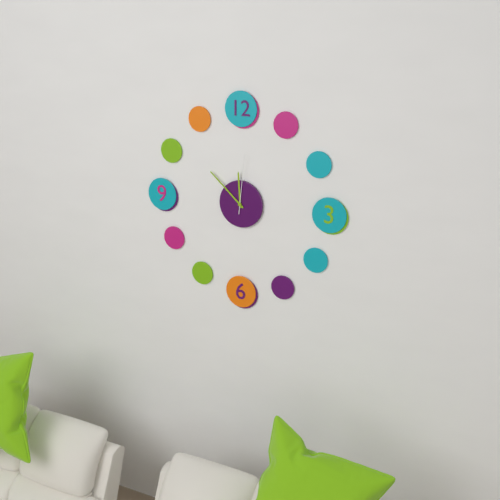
11:52:01
